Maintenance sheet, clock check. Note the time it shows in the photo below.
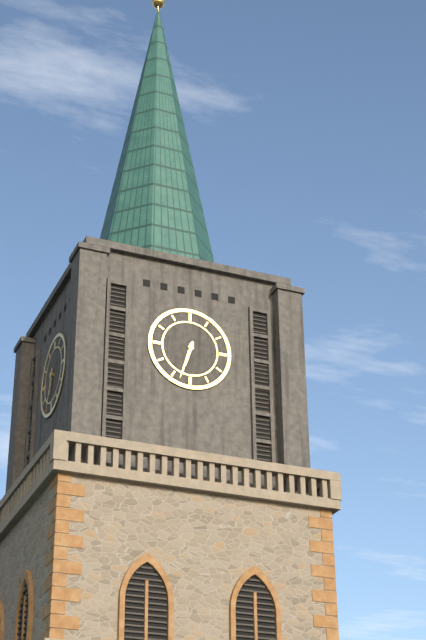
6:33
